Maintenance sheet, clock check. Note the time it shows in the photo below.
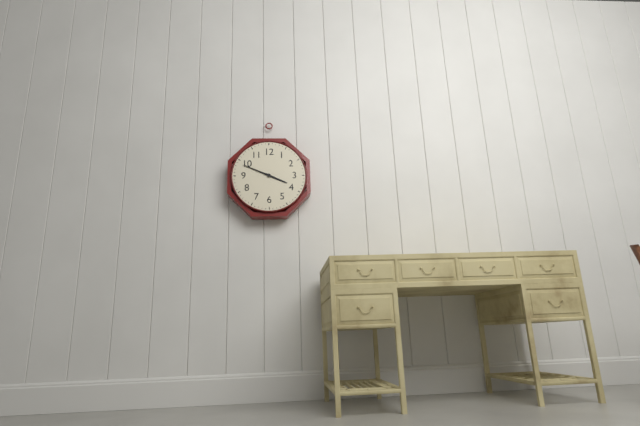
3:49
